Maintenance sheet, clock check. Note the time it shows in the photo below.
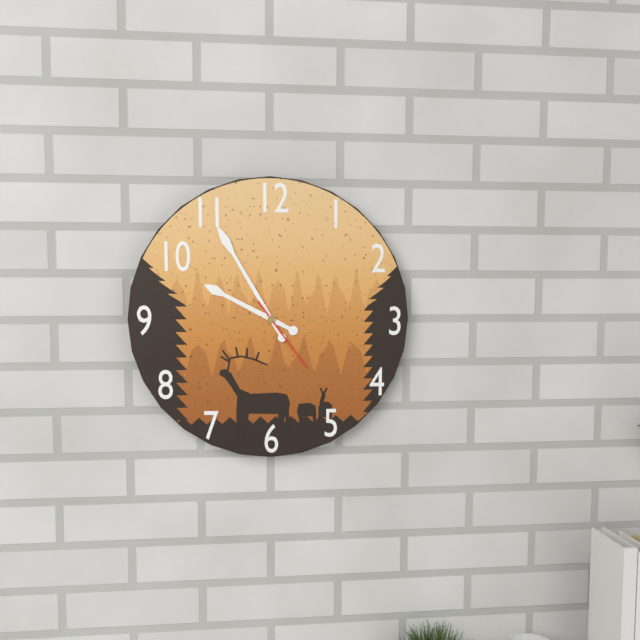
9:55:24
